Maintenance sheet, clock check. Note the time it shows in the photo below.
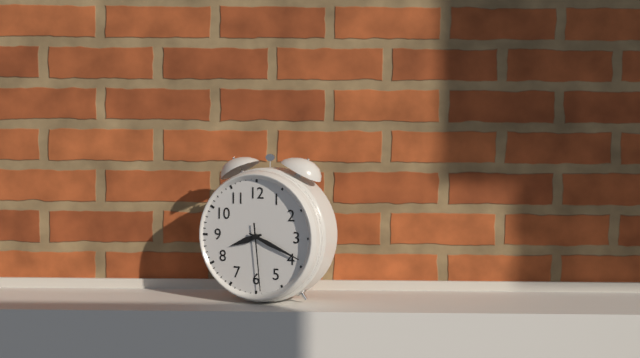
8:19:29
